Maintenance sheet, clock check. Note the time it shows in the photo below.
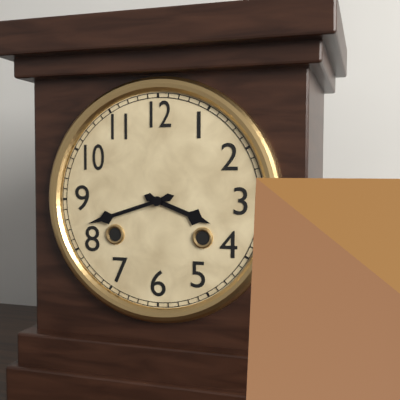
3:42
